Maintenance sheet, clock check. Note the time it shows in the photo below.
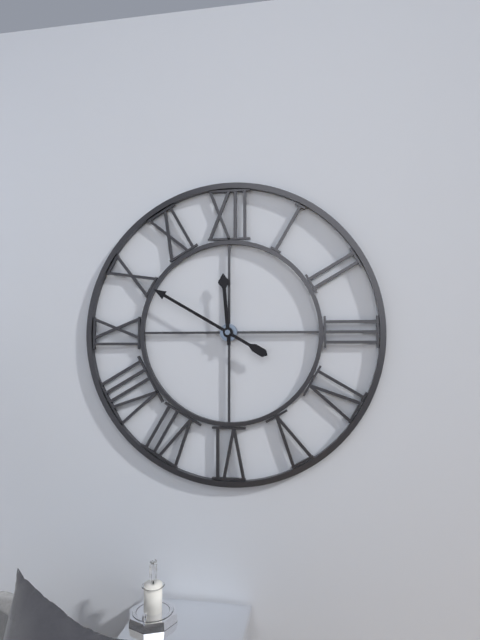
11:50
